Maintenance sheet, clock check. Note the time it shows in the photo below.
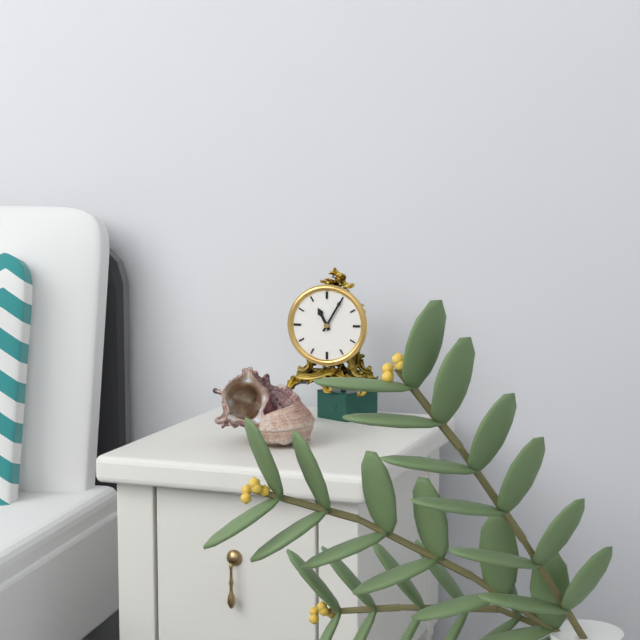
11:05
